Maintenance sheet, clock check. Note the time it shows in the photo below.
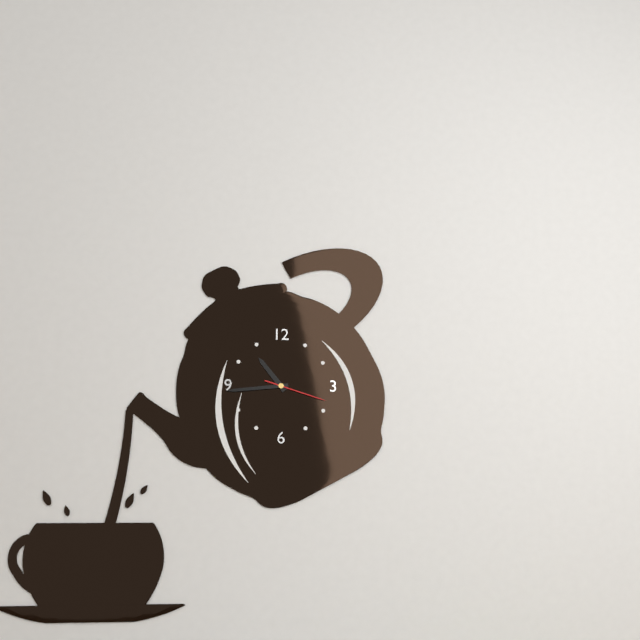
10:44:18
